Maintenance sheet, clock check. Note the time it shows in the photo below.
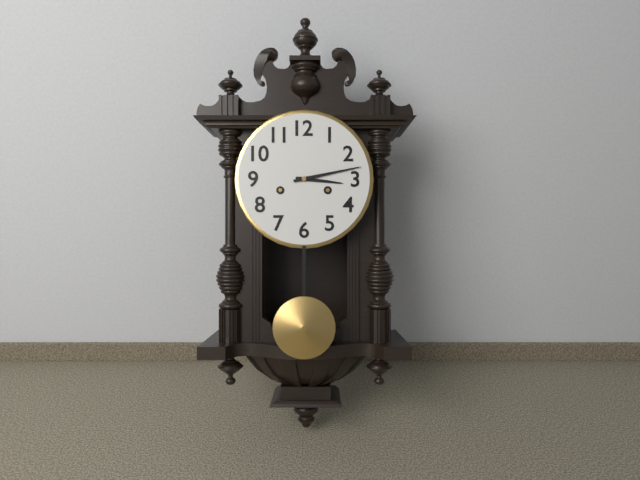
3:13
